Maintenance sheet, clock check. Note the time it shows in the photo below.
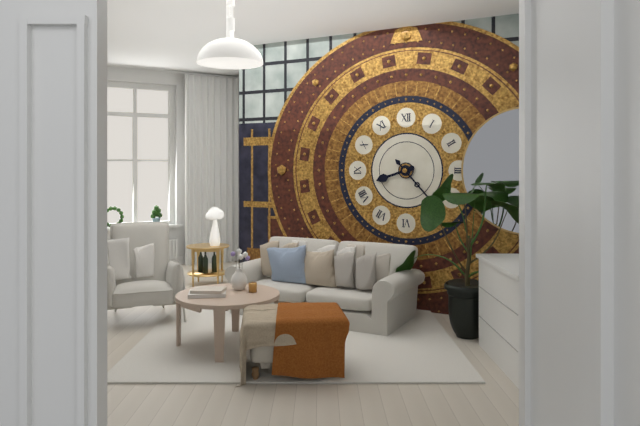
8:23
